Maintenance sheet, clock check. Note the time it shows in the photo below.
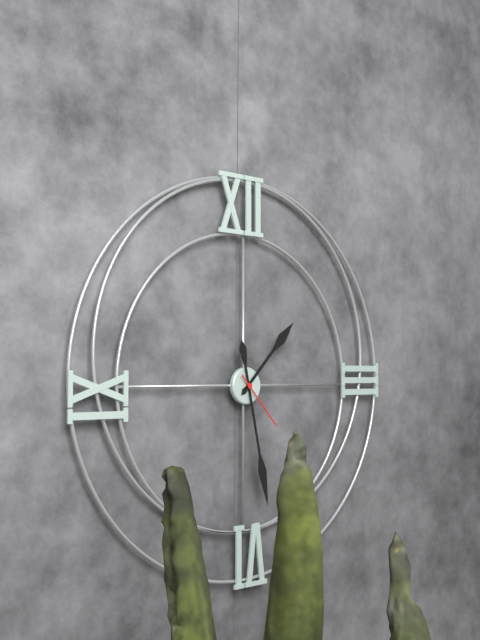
1:28:23
